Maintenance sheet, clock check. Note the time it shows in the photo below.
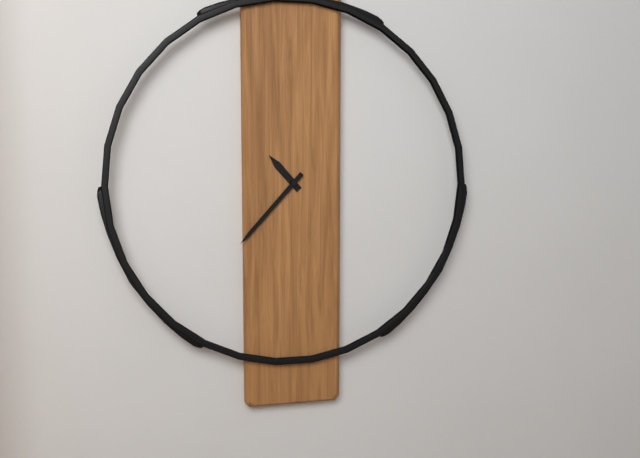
10:37
